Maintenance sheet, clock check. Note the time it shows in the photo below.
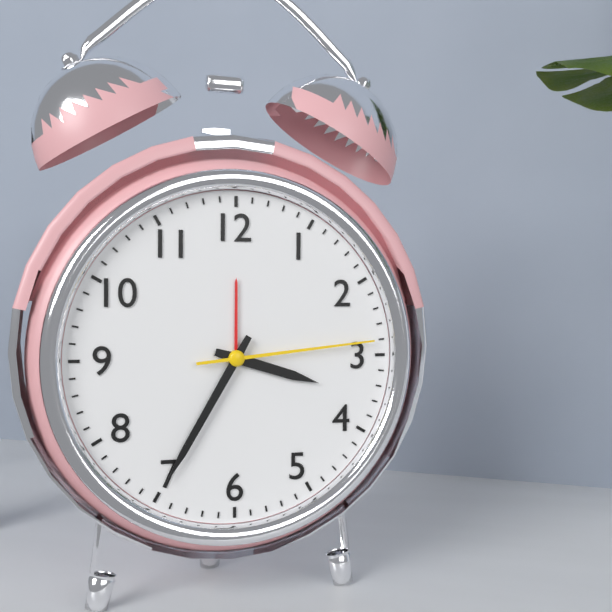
3:35:14
